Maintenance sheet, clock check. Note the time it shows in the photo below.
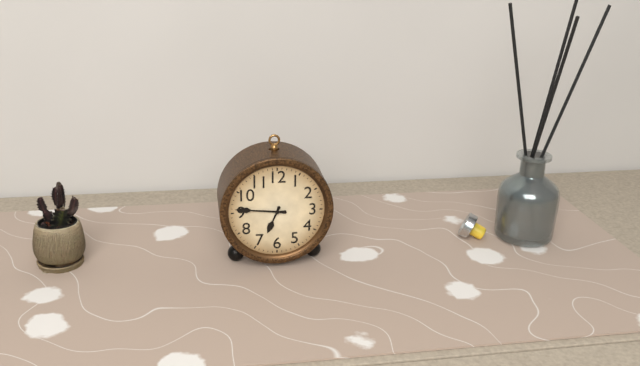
6:46
